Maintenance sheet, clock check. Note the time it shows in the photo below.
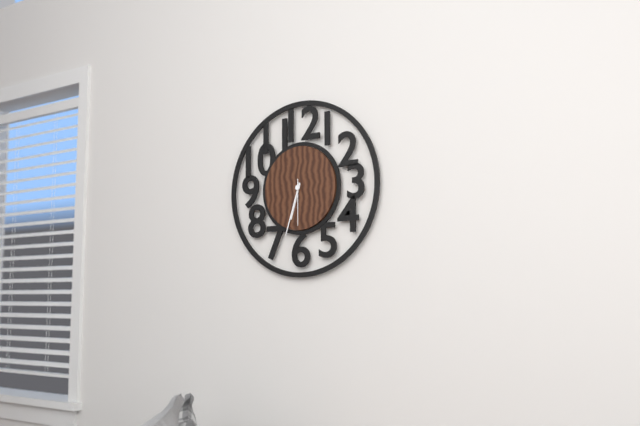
6:33
